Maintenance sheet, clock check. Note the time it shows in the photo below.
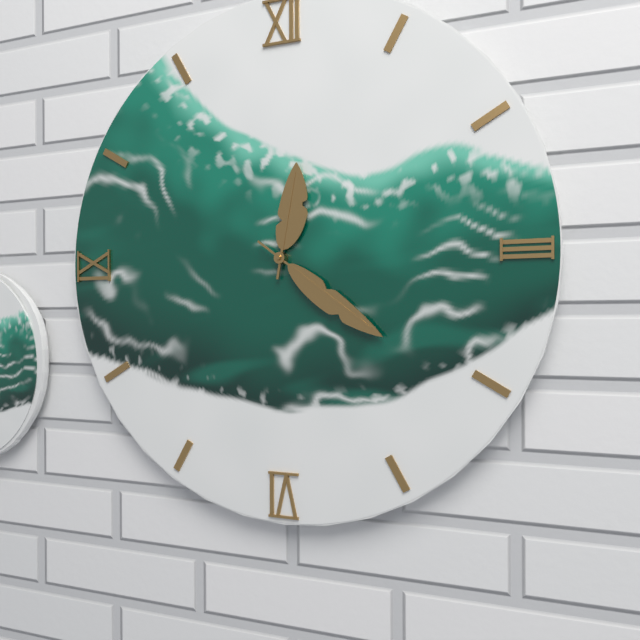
12:21
